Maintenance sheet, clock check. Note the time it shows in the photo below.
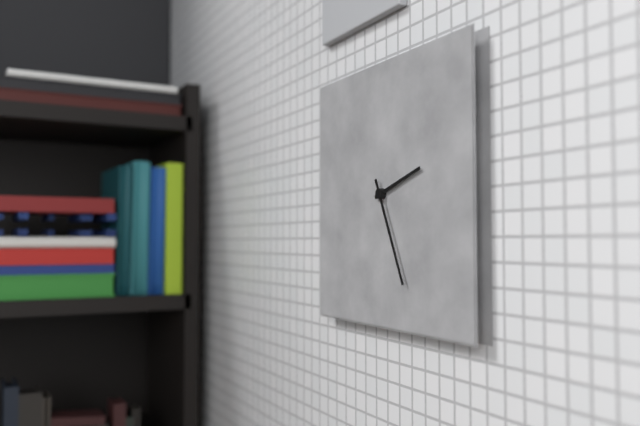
2:26
